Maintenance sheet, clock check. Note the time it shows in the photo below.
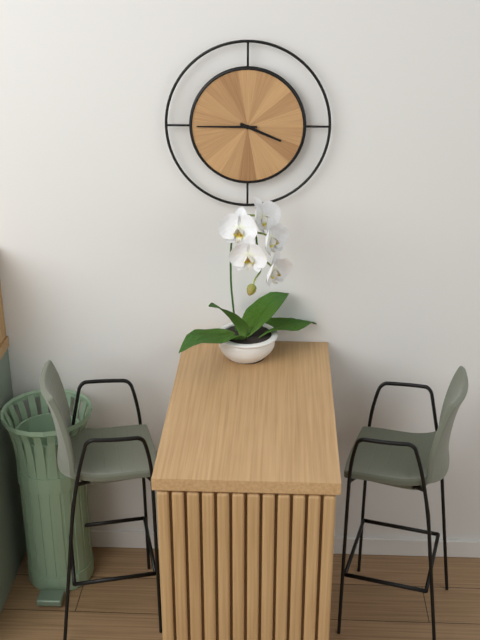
3:45
